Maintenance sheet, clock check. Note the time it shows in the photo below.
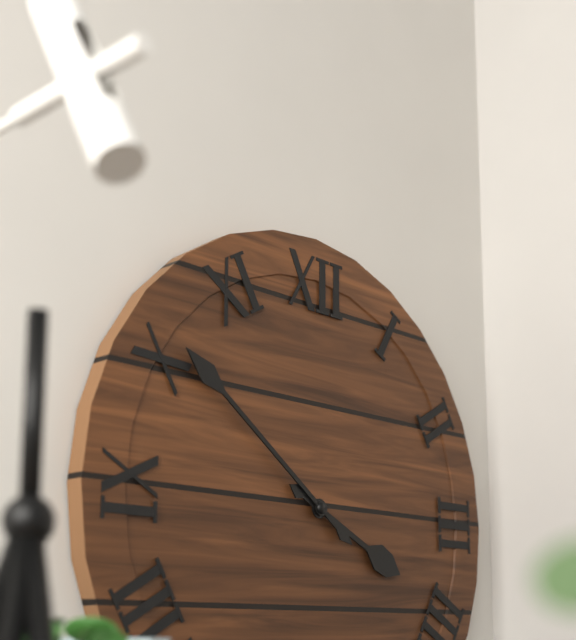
3:51
